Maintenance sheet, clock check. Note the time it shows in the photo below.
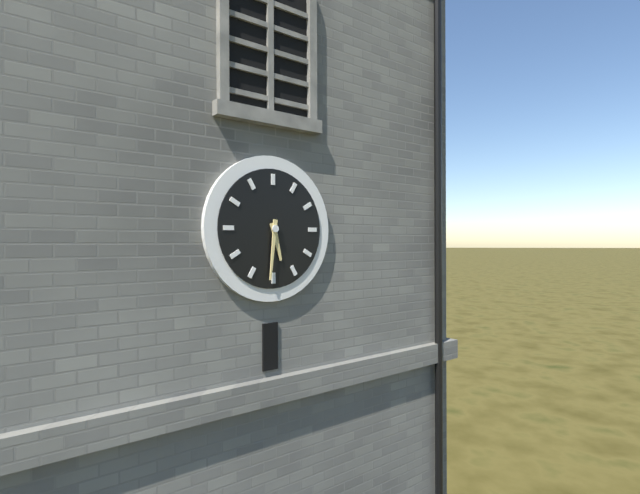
5:31
